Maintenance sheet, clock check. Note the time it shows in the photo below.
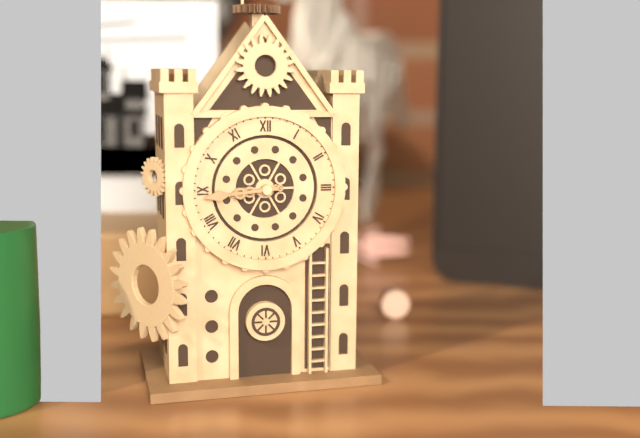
8:44
